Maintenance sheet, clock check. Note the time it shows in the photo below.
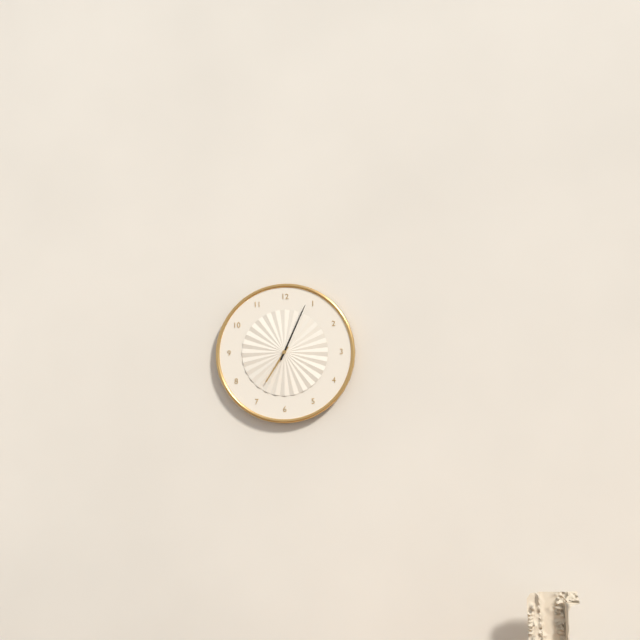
7:04
